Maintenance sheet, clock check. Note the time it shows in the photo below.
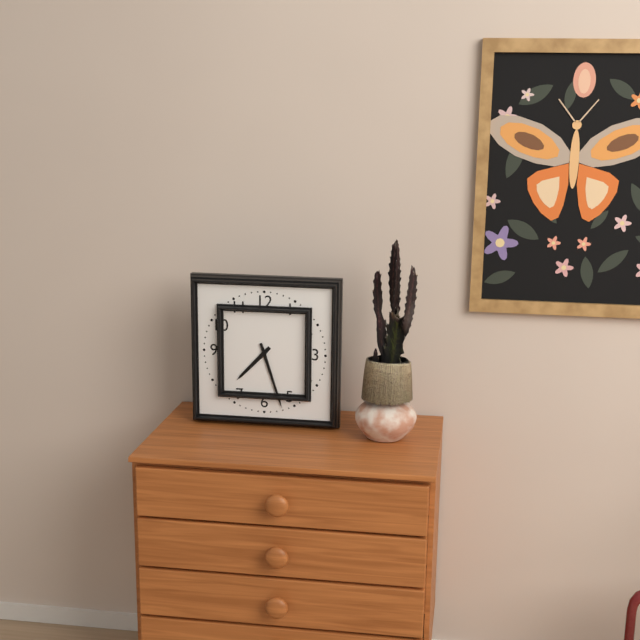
7:27
